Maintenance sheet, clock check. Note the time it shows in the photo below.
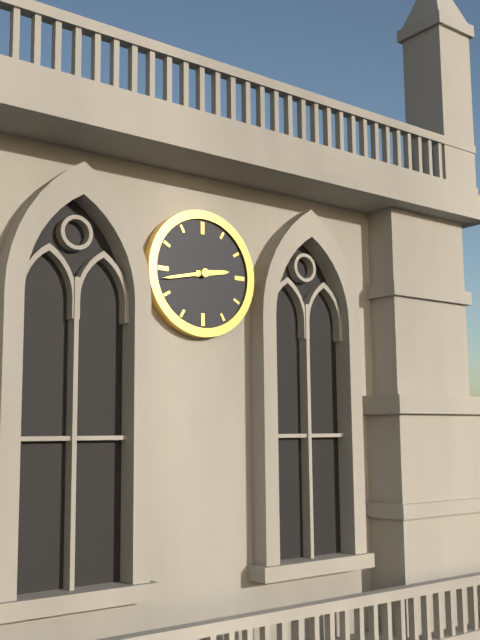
2:43
